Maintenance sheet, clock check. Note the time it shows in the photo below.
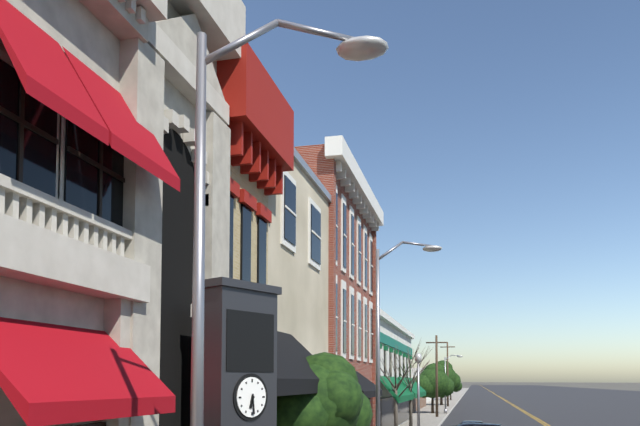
6:29
